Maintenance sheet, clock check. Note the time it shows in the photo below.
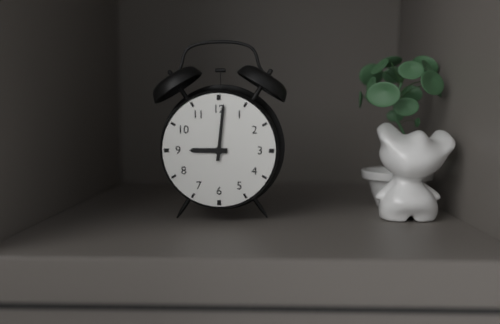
9:01
